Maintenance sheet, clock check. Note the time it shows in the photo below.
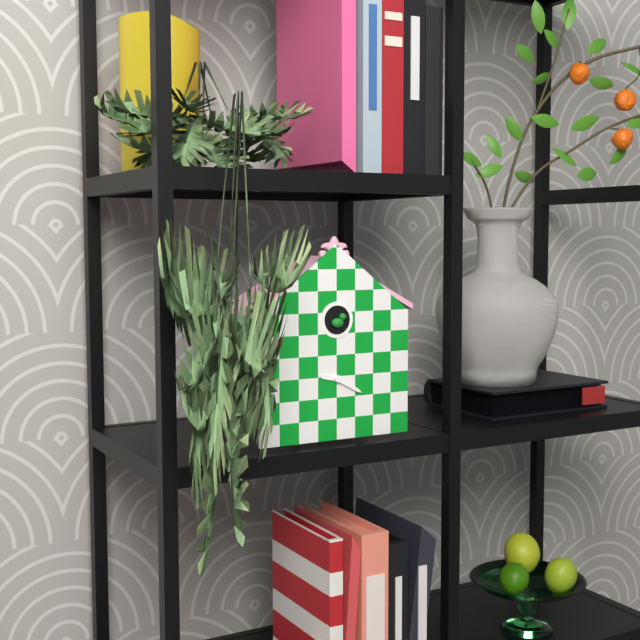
9:20
